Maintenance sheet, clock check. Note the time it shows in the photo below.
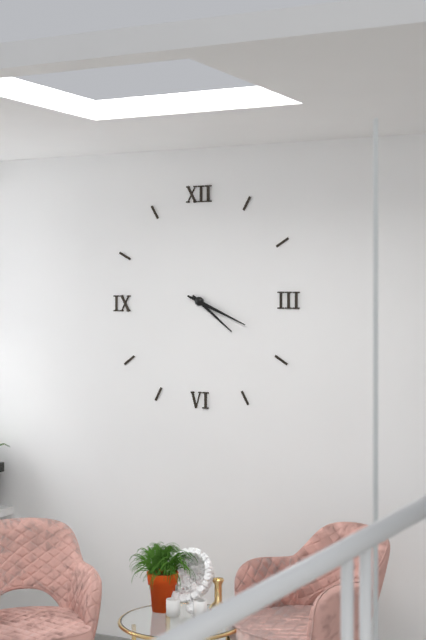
4:19
